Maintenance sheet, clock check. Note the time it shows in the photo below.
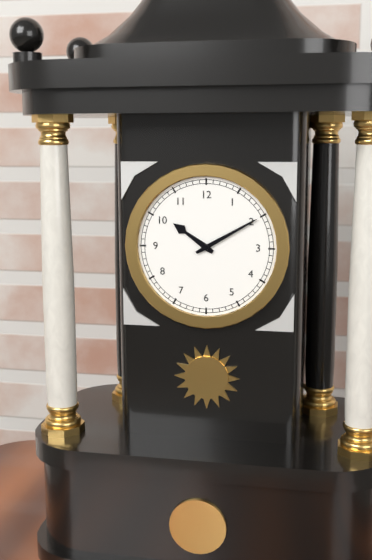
10:10
